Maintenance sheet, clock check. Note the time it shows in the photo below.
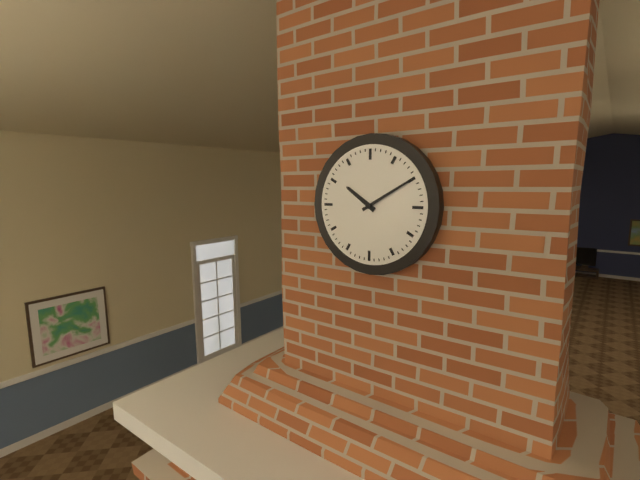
10:10
